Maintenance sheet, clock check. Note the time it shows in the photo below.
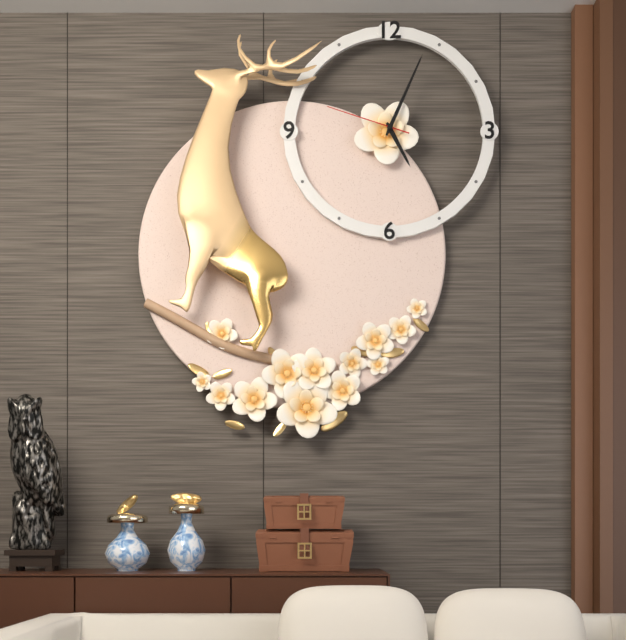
5:04:48
